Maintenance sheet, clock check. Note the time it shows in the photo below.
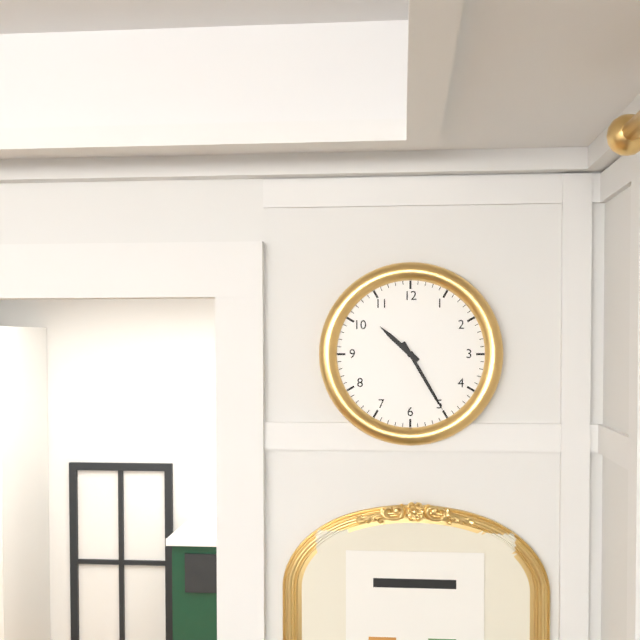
10:25
